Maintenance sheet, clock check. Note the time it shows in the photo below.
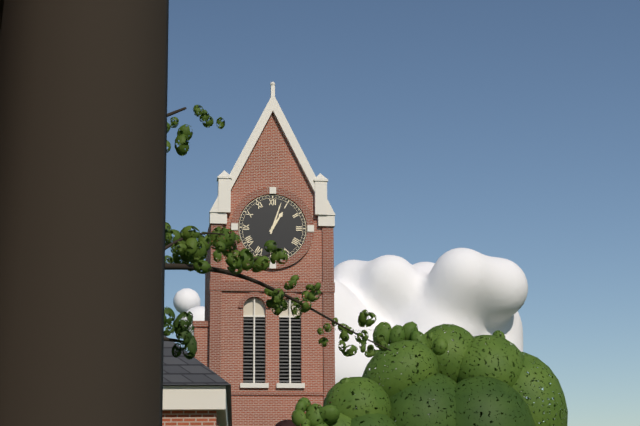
1:03
